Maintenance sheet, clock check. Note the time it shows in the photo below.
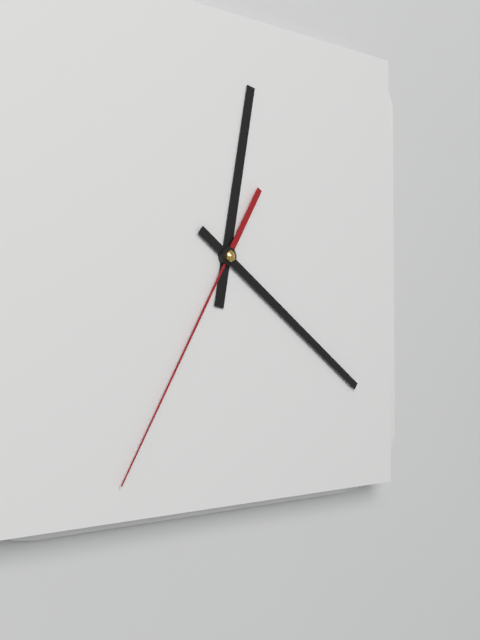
12:21:35
